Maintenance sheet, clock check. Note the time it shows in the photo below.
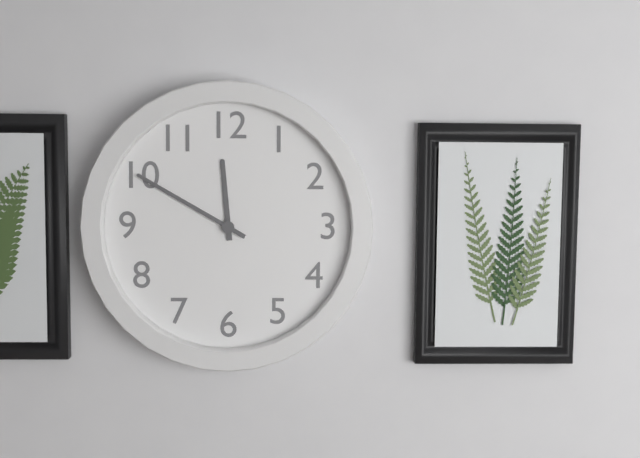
11:50
